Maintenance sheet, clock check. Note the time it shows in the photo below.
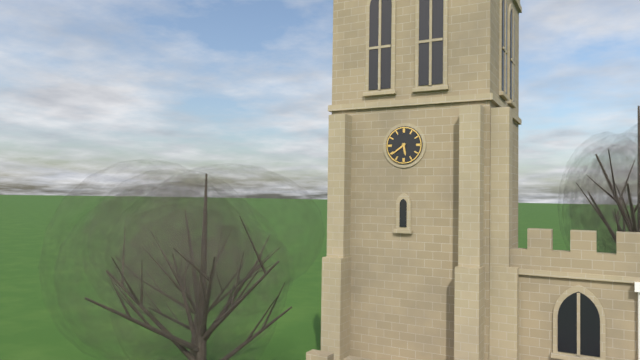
5:39
